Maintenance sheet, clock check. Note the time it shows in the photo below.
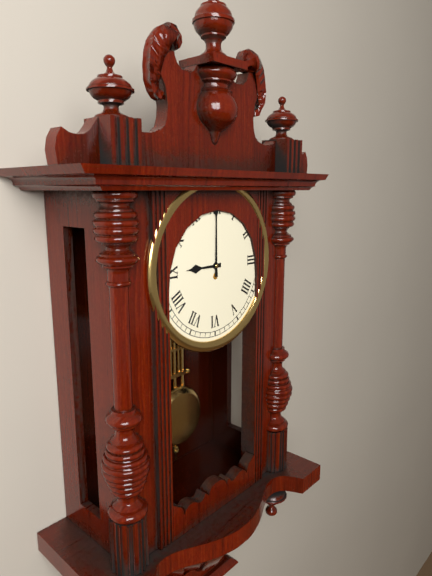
9:00
